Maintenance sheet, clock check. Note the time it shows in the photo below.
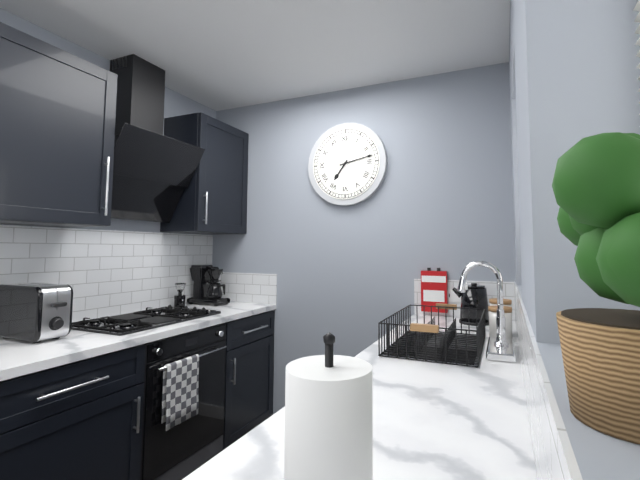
7:13
